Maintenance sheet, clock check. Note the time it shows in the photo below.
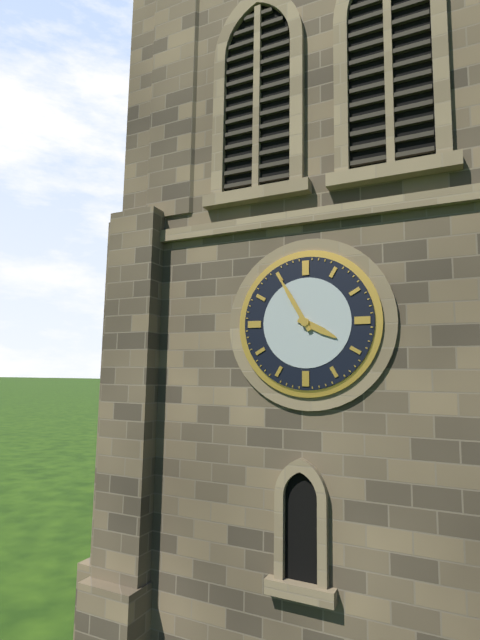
3:55
